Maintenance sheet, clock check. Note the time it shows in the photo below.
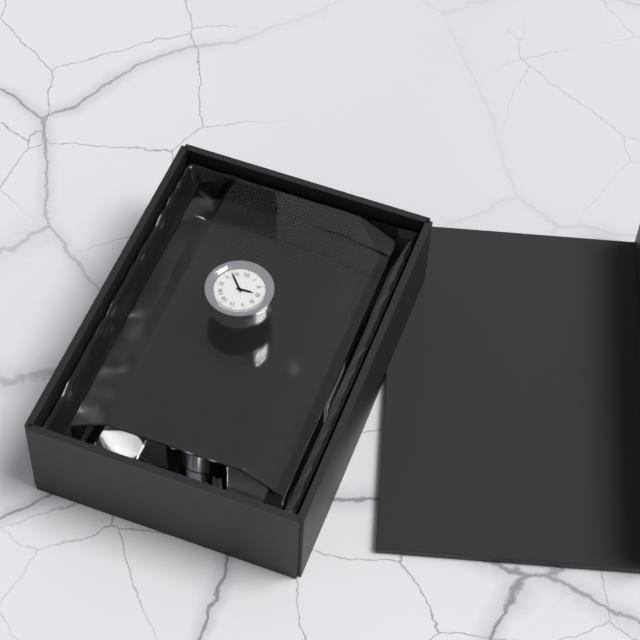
2:53
